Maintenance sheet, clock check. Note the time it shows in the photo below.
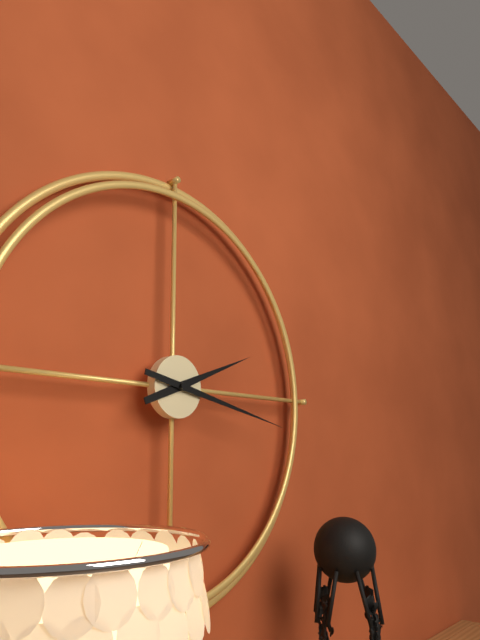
2:17
